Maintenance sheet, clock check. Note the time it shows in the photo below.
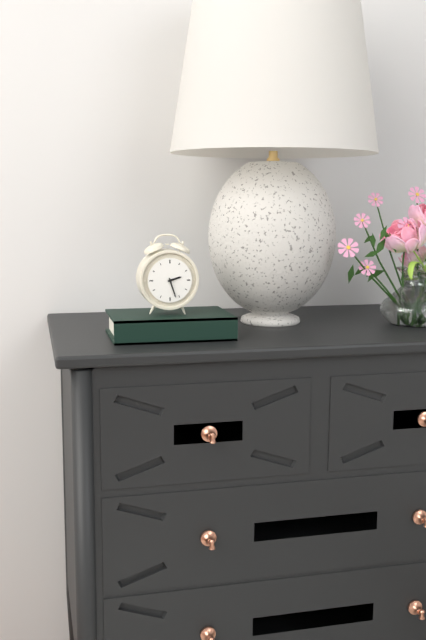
2:27
